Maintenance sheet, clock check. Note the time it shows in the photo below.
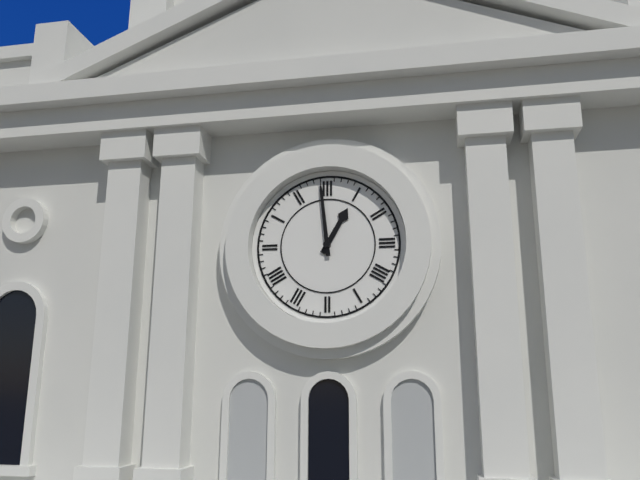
12:59
